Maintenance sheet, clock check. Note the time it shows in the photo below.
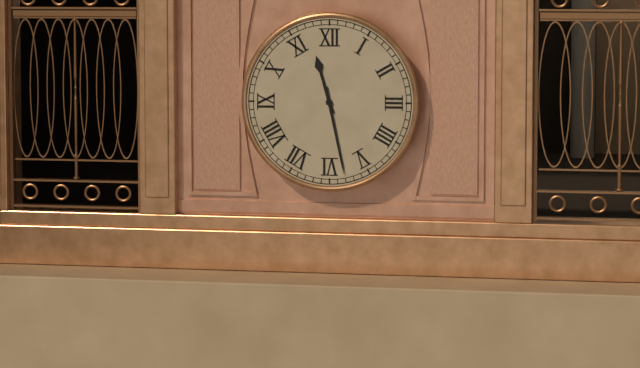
11:28
